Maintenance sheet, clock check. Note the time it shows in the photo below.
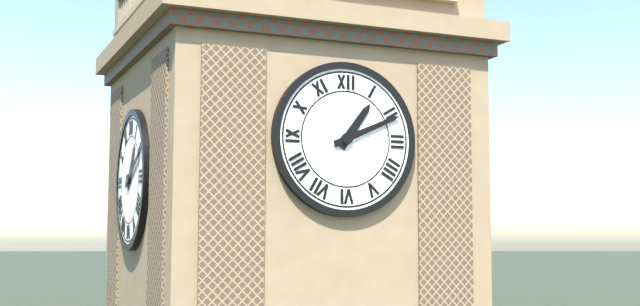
1:11
